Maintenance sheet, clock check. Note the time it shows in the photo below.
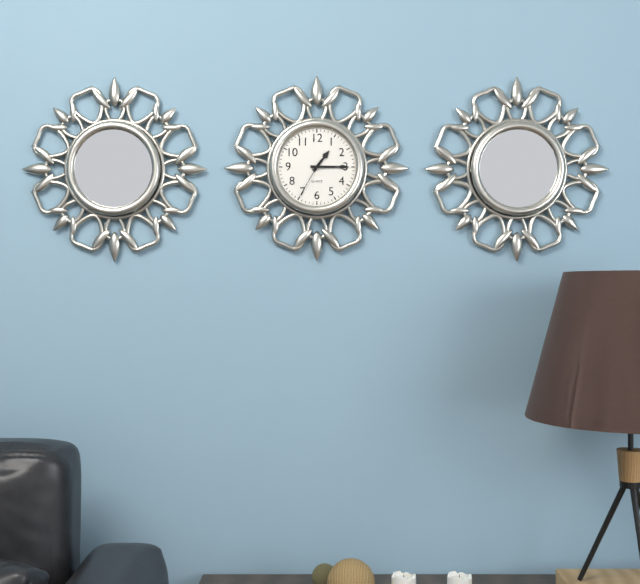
1:15
